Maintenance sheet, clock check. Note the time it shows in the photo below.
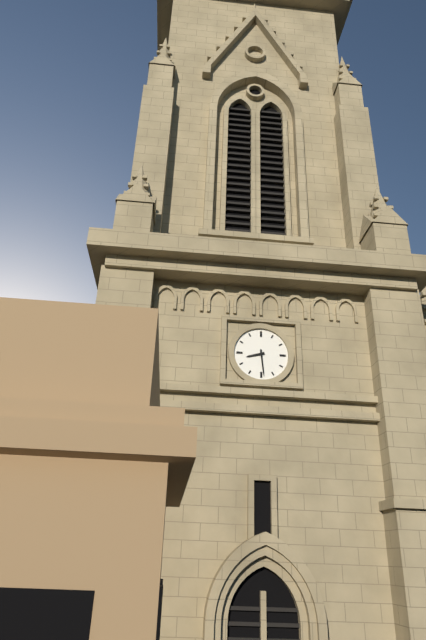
8:29
